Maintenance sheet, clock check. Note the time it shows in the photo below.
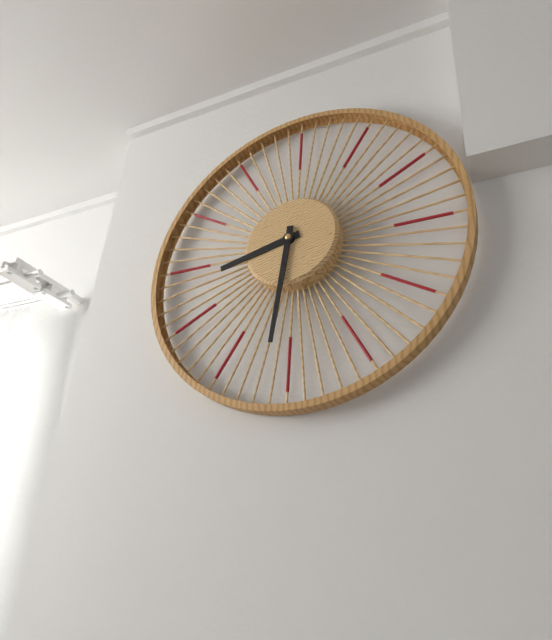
8:31
